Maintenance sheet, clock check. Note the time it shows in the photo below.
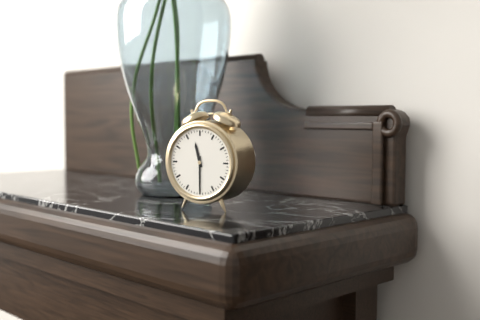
11:30
